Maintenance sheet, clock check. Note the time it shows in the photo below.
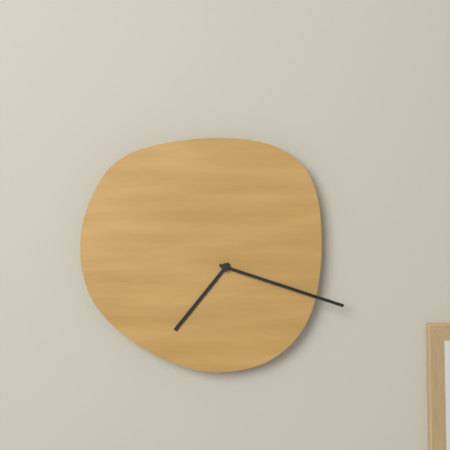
7:18
